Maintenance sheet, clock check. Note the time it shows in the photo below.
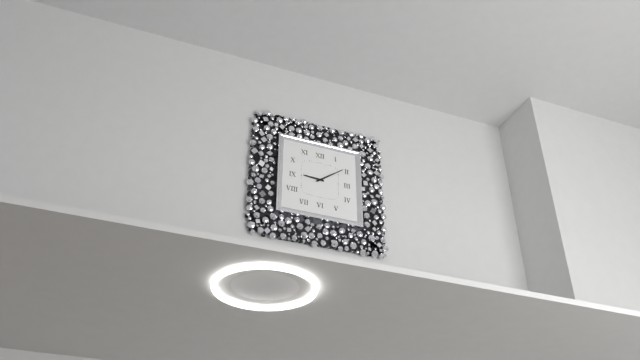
9:09
